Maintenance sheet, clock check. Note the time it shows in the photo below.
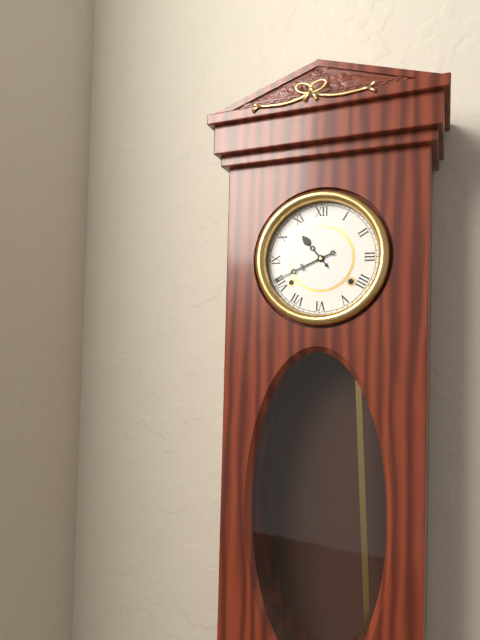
10:41
